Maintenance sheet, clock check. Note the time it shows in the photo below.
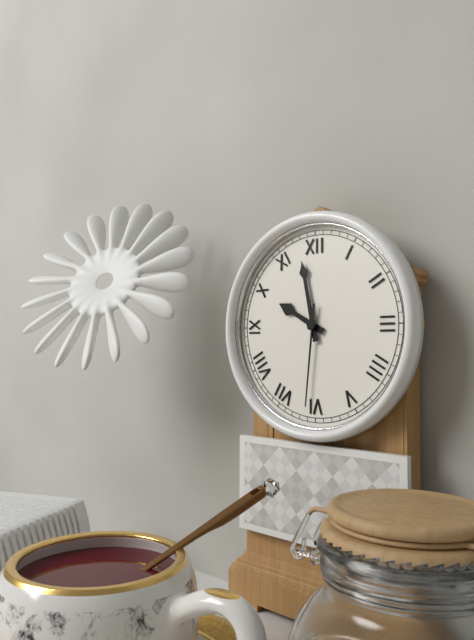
9:58:31
